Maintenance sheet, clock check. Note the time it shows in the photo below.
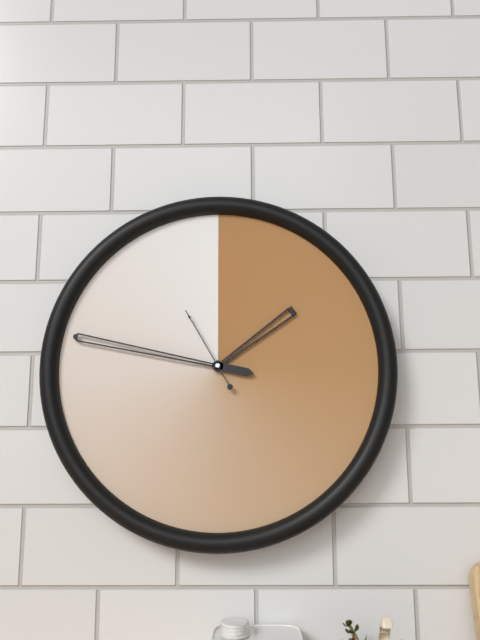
1:47:55
